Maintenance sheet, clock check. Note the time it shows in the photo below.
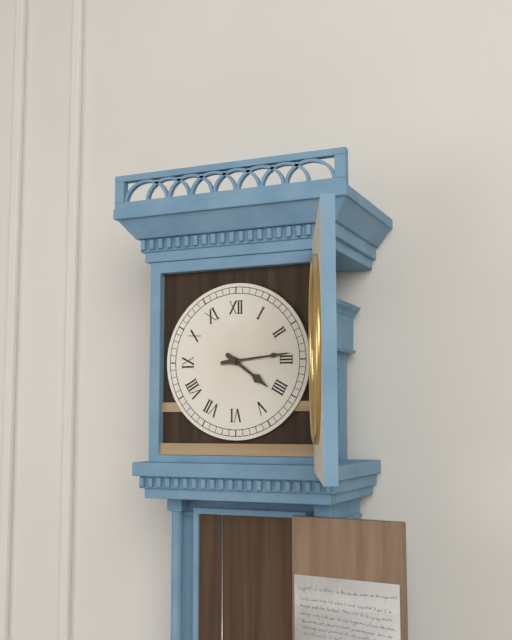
4:14
